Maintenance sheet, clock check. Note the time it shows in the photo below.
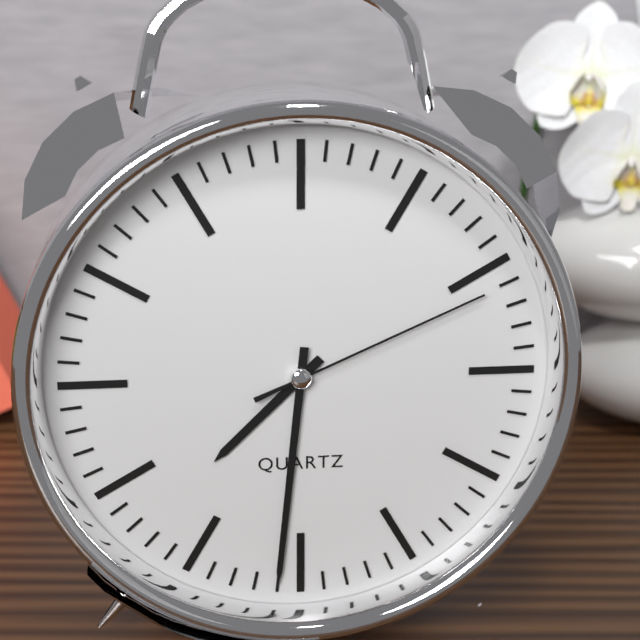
7:31:11
